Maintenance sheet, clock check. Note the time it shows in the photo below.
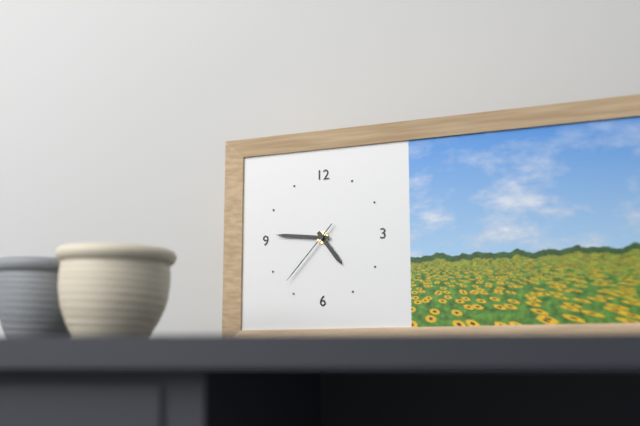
4:46:37
